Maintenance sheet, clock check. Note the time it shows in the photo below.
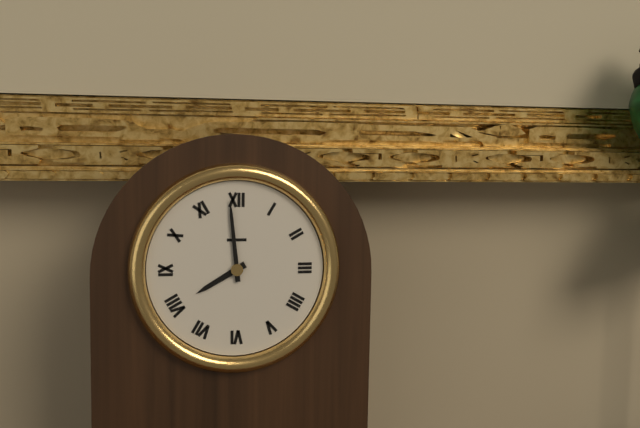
7:59
